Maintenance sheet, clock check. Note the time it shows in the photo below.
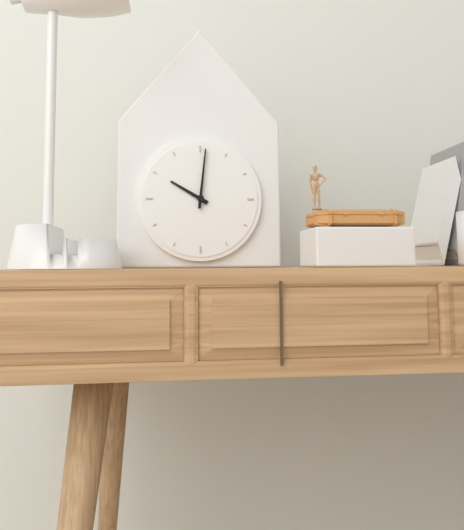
10:01
